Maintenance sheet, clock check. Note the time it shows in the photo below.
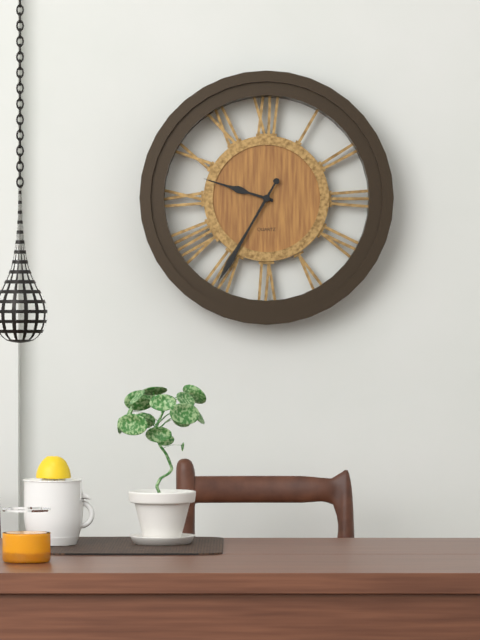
9:35
